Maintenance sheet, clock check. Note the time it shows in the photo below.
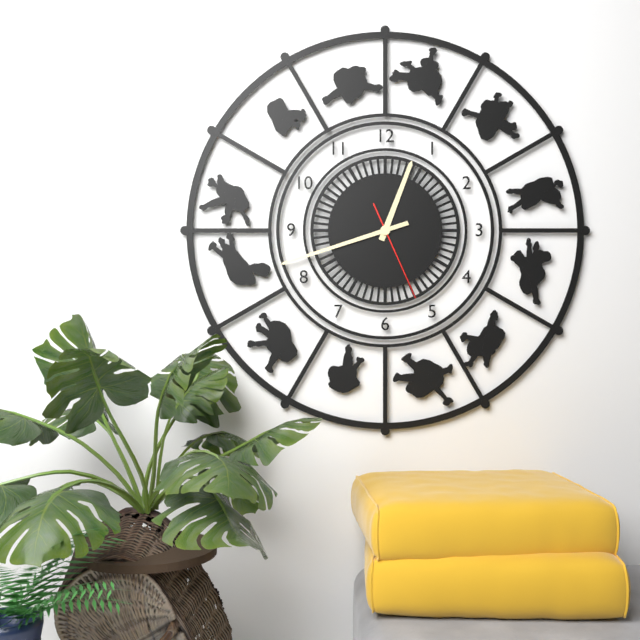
12:42:26
